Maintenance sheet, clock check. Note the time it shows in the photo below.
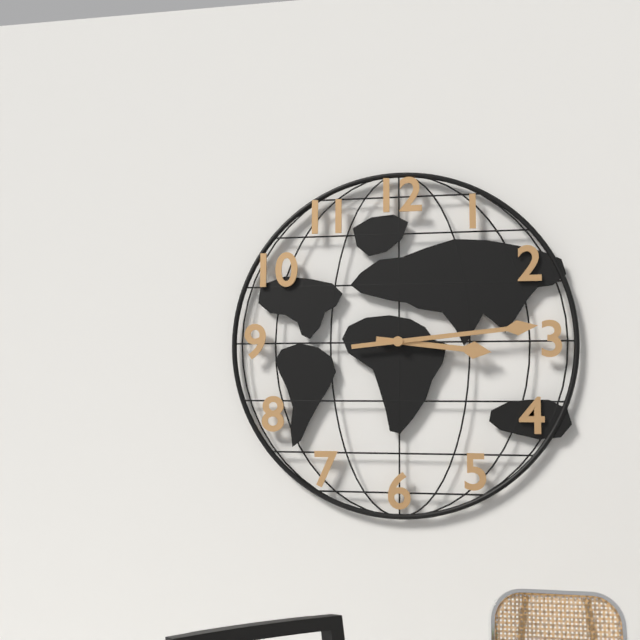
3:14
